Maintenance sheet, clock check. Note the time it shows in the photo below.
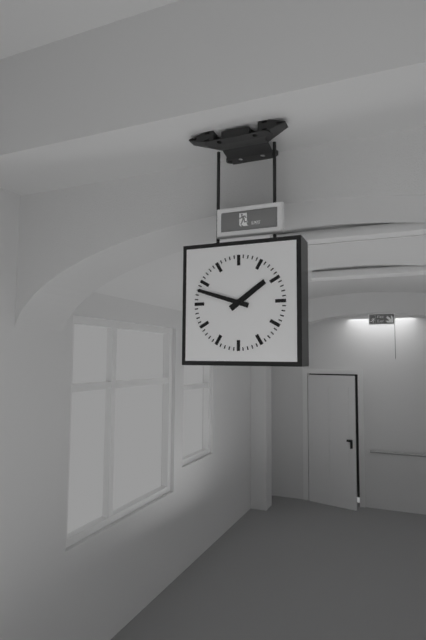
1:48
